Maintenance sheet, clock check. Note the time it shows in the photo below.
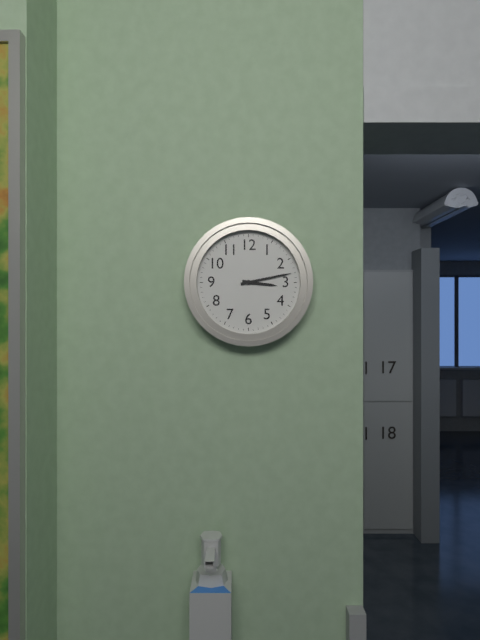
3:13
